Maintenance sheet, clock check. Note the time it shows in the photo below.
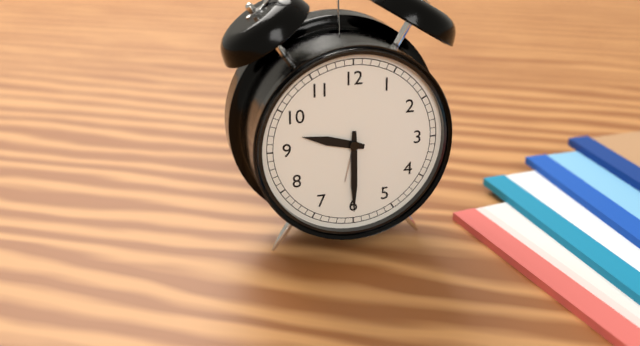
9:30
